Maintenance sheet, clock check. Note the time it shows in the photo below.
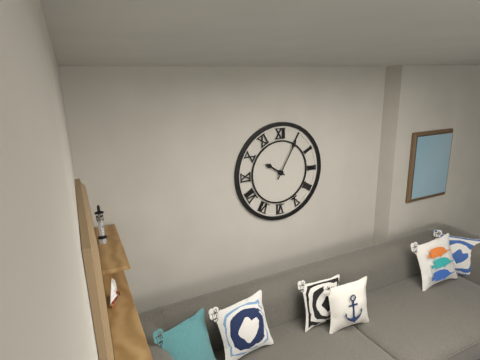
10:05
